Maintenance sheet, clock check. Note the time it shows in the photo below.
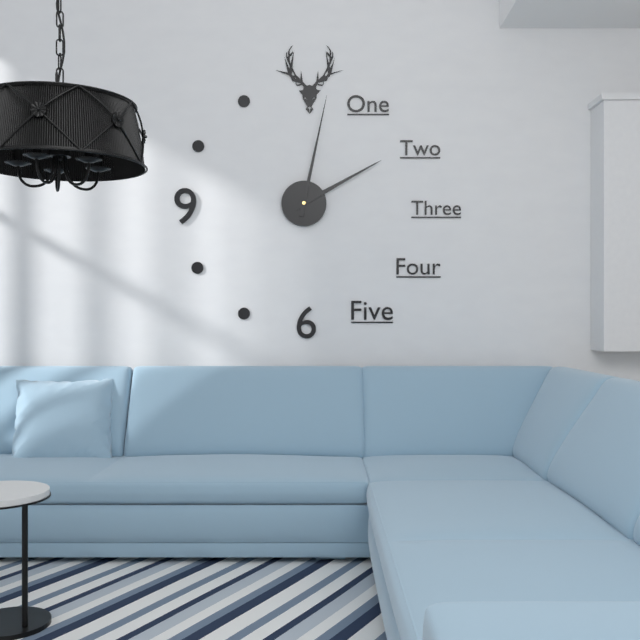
2:02
